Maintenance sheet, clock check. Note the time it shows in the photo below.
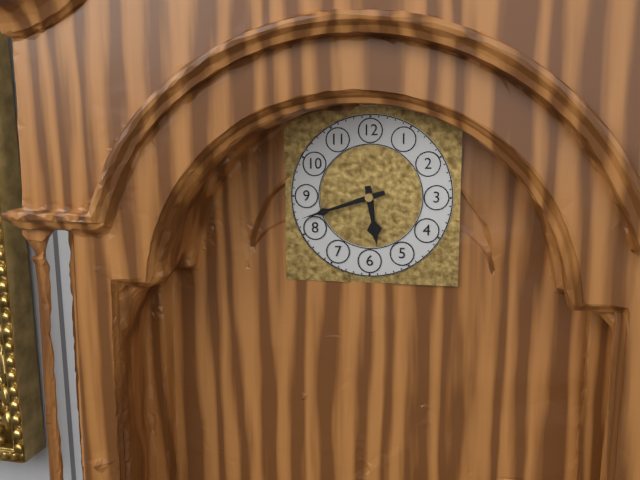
5:42
